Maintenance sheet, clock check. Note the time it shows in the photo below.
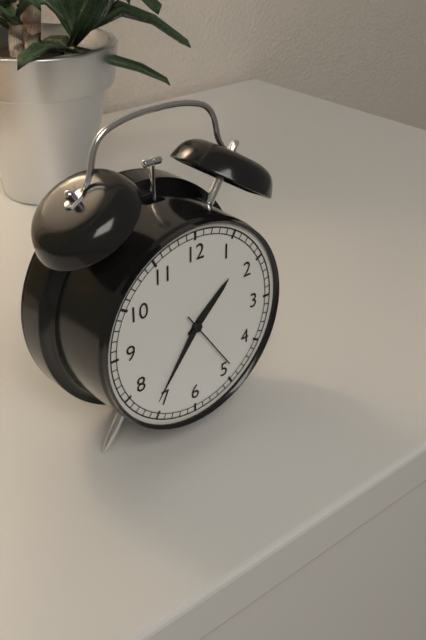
1:36:24
